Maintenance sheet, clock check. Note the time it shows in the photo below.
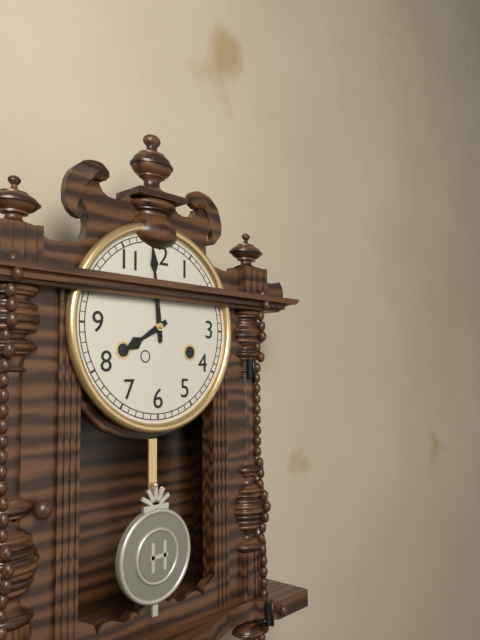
7:59
